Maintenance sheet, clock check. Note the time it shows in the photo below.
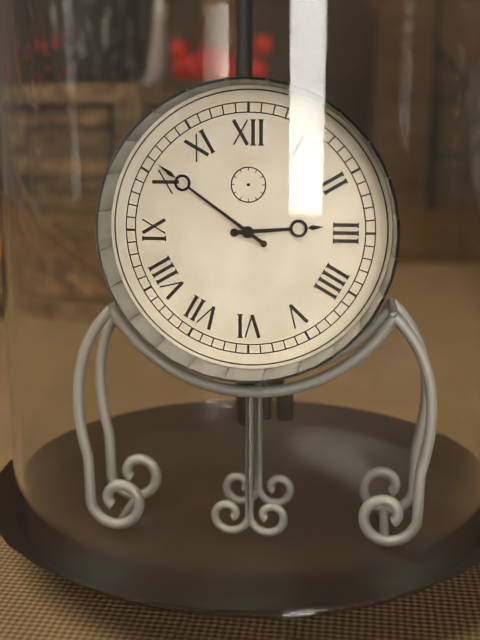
2:51
